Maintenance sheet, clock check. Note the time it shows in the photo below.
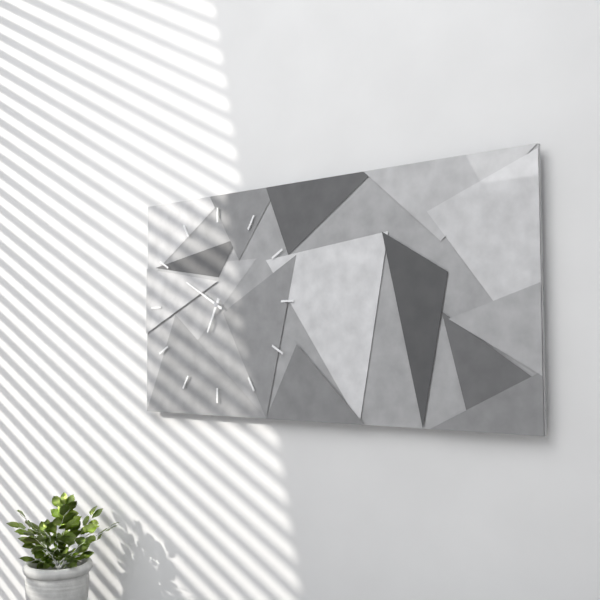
6:50
